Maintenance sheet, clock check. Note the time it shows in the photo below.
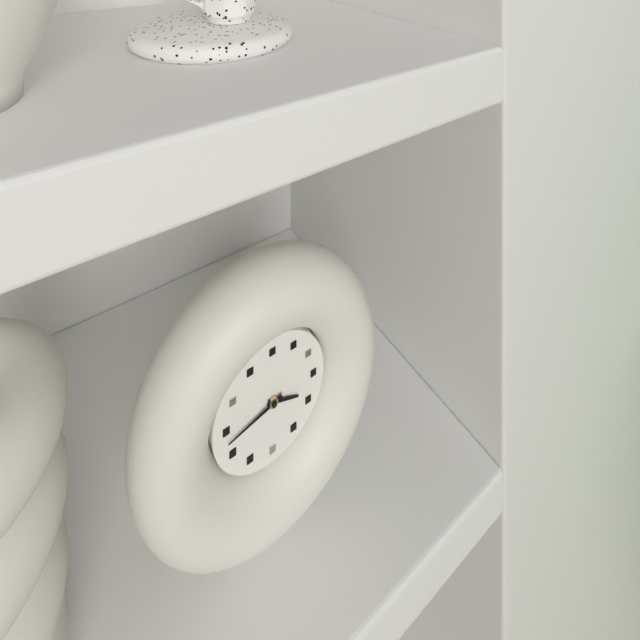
3:43
